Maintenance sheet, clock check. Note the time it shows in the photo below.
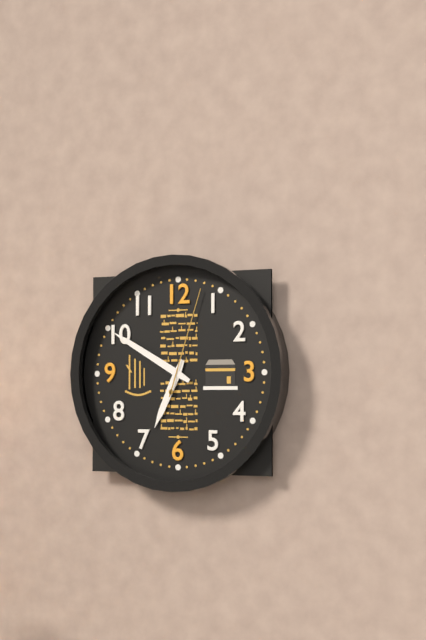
6:50:03
